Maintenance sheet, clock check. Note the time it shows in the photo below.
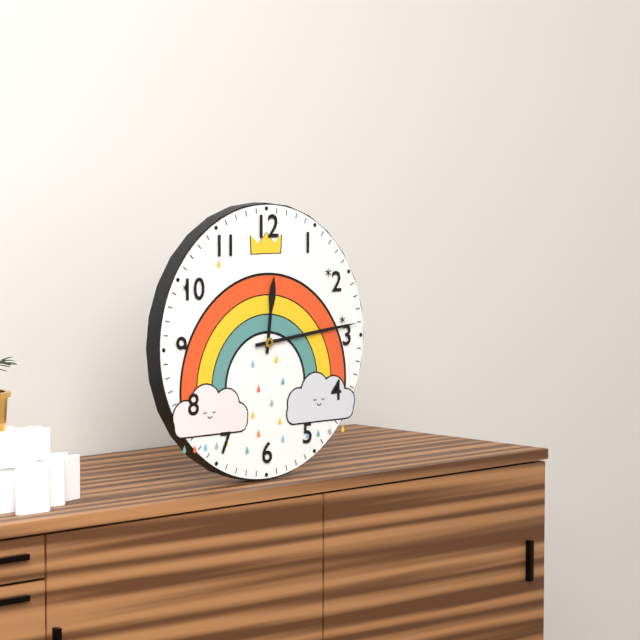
12:14
